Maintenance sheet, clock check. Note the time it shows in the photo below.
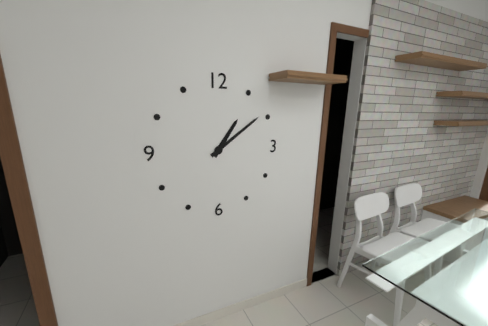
1:09
